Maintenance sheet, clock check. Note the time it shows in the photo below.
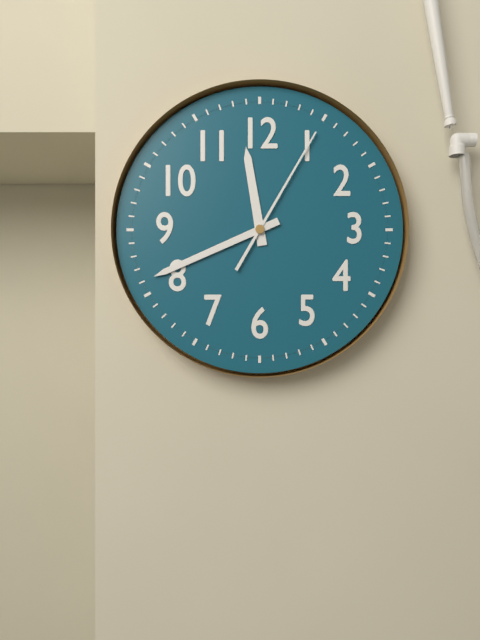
11:41:05
